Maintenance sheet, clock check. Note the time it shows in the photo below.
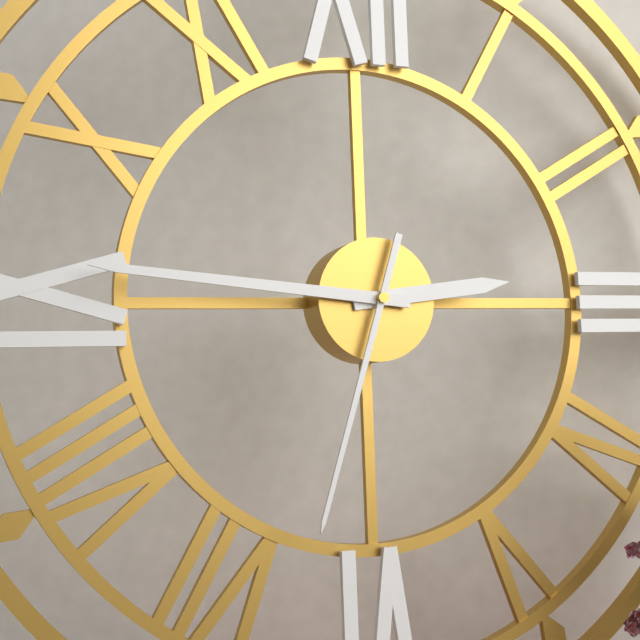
2:46:33
